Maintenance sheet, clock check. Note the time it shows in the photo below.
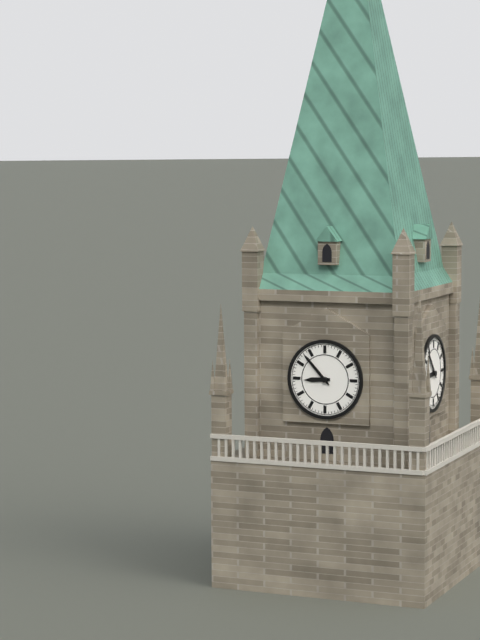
8:53
